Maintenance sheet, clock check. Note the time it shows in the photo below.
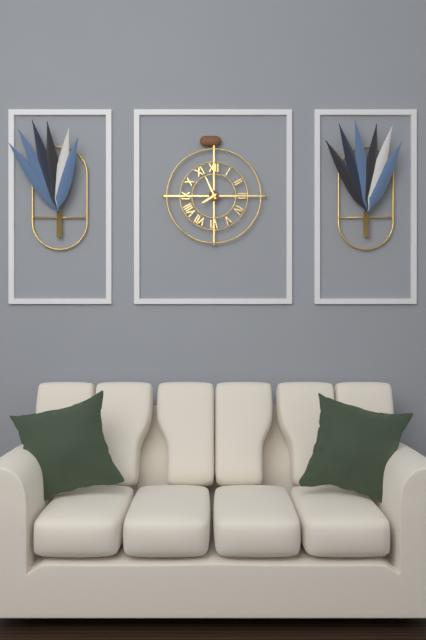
7:56
